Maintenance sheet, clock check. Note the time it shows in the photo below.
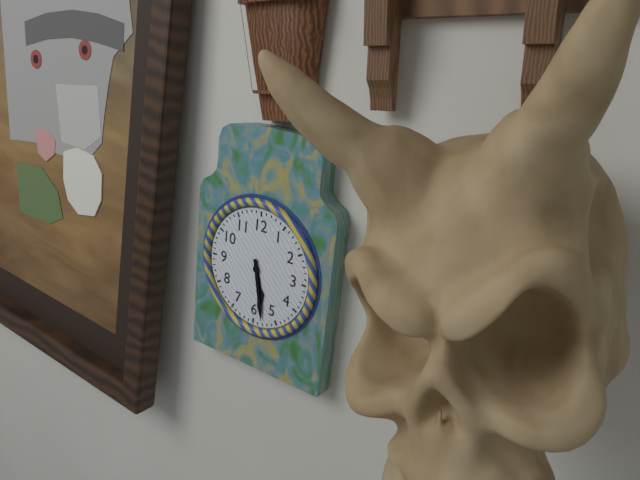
5:28
